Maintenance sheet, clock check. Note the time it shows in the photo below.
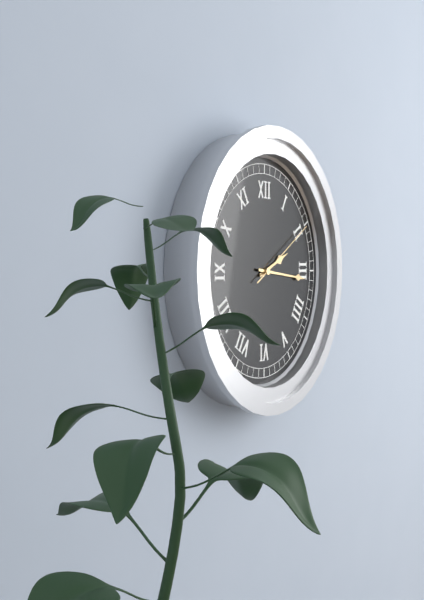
2:16:10
